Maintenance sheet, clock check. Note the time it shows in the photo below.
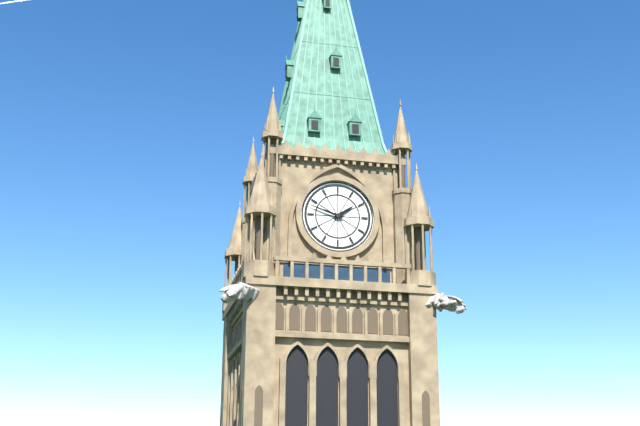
1:48
